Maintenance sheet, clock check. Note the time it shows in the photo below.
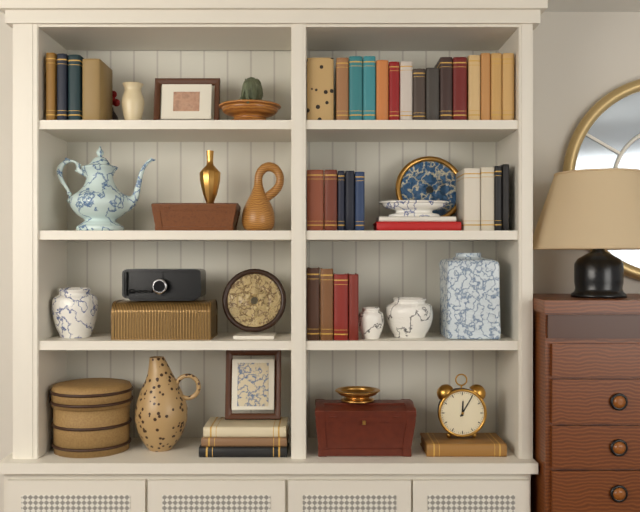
12:05
